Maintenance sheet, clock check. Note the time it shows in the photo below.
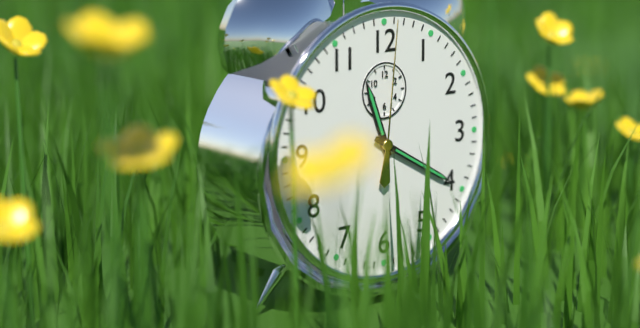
11:20:01
